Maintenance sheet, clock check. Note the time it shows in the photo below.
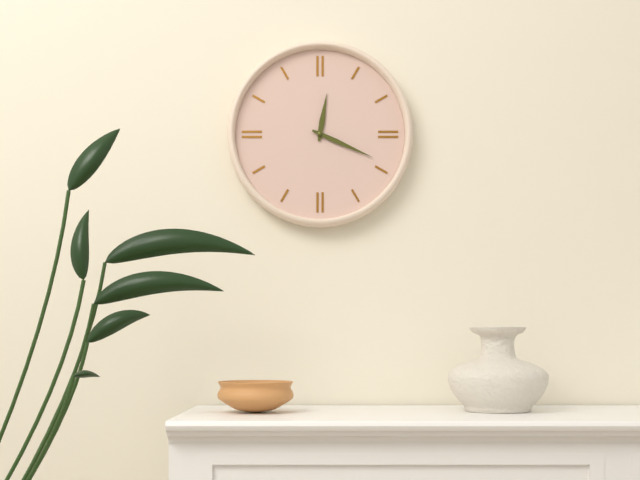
12:19
